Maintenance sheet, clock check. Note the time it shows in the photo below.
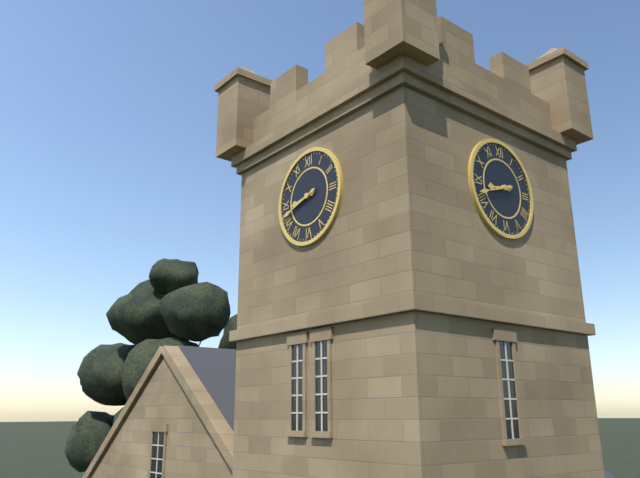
8:42
